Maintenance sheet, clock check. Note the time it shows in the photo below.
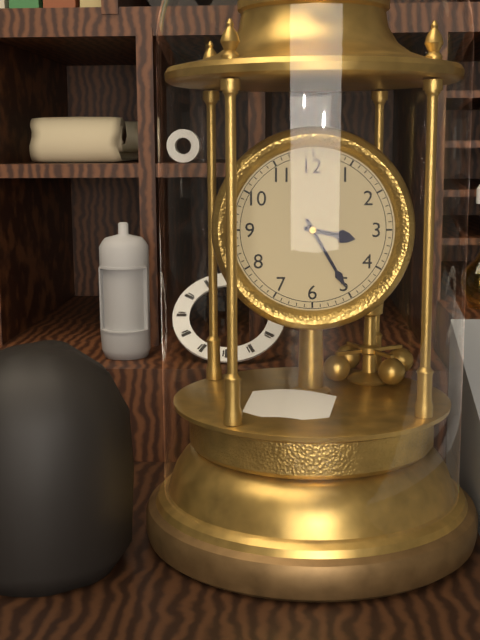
3:25
